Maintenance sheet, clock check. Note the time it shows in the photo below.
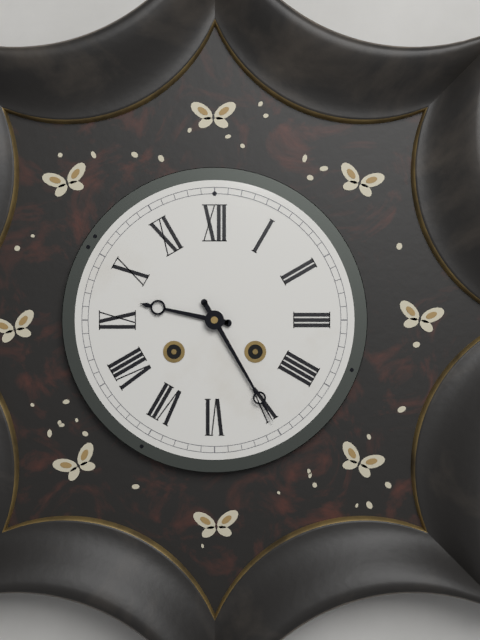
9:25
